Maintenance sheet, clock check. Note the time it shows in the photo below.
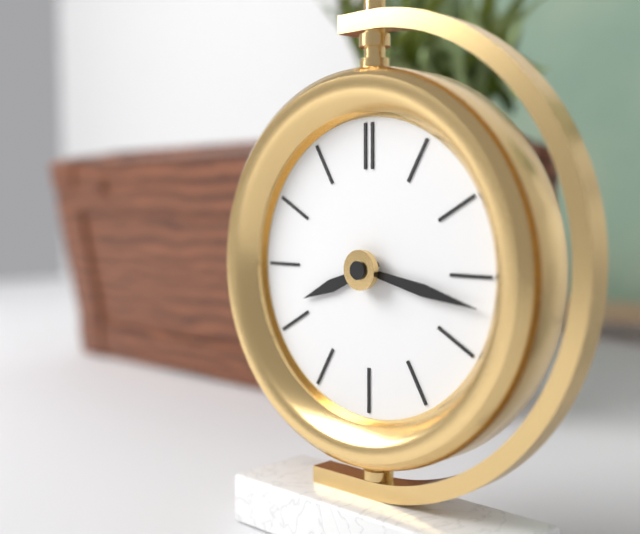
8:17
